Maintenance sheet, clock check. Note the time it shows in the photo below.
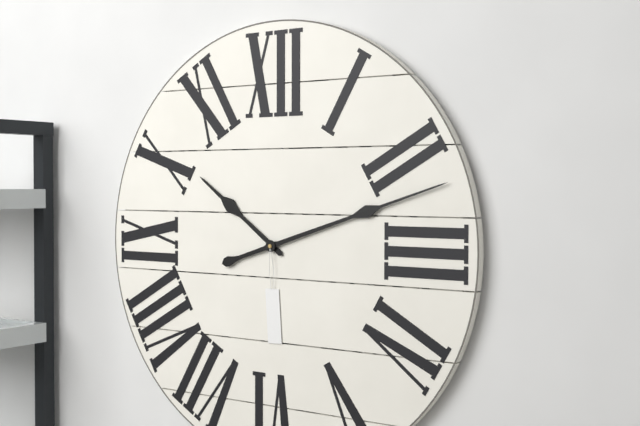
10:12
